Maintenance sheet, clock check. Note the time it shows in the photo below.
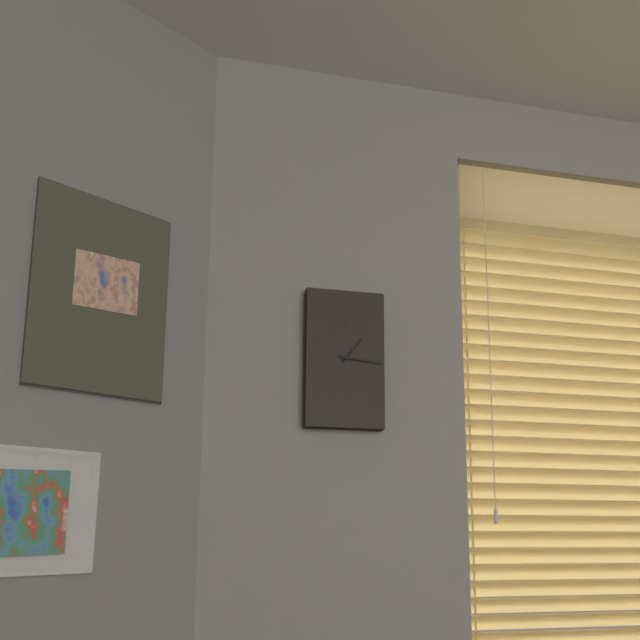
1:16
